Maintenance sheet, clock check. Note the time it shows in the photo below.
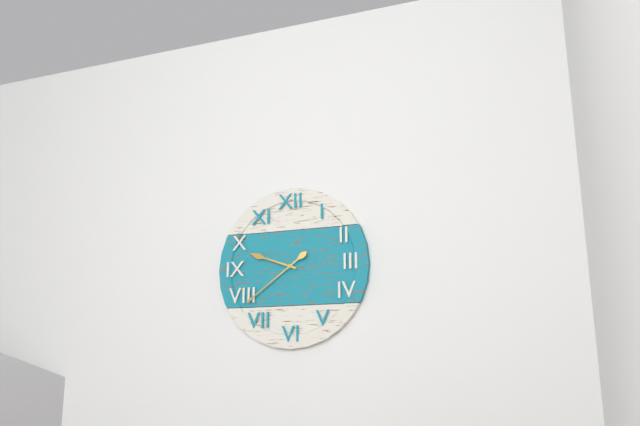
9:39
